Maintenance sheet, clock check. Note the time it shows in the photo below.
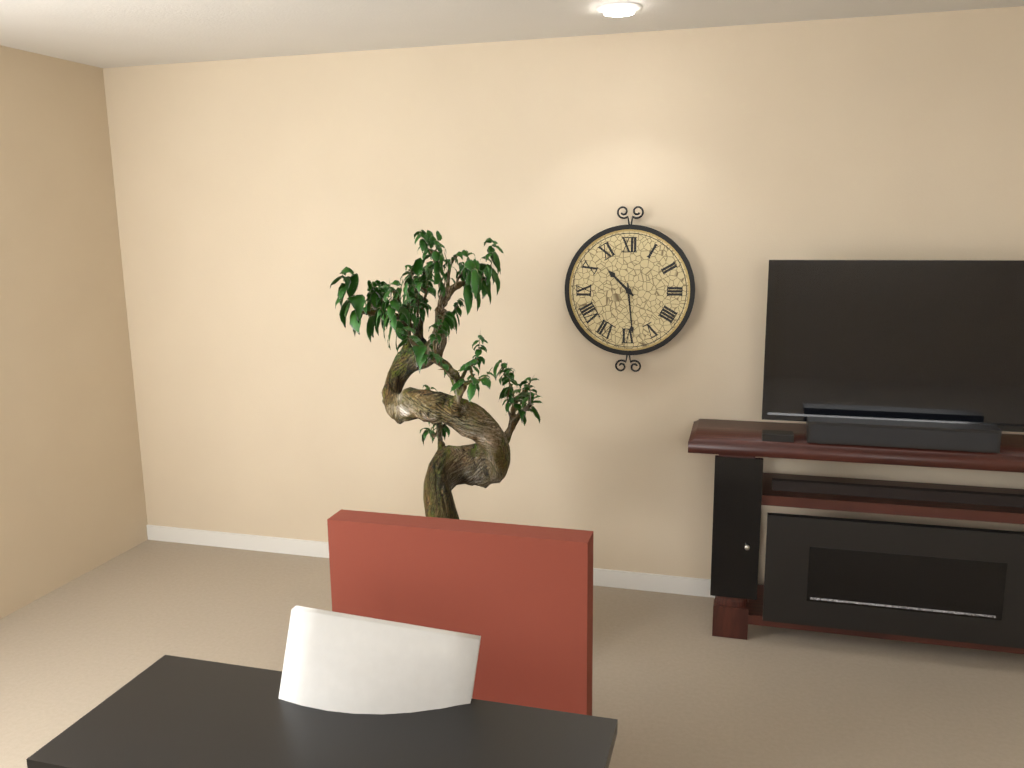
10:29
